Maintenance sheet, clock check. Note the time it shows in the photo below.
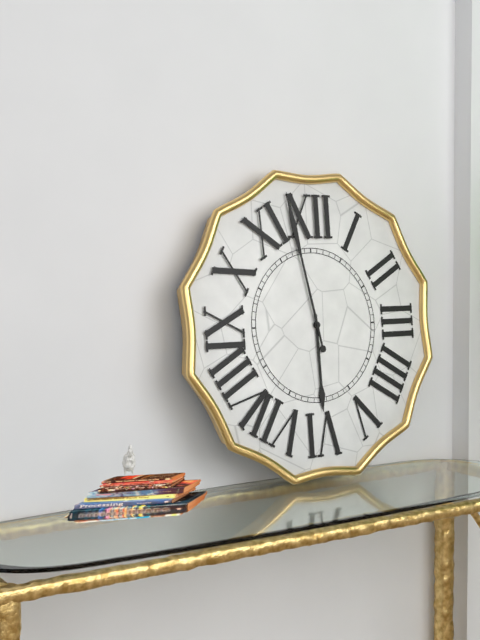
5:58
